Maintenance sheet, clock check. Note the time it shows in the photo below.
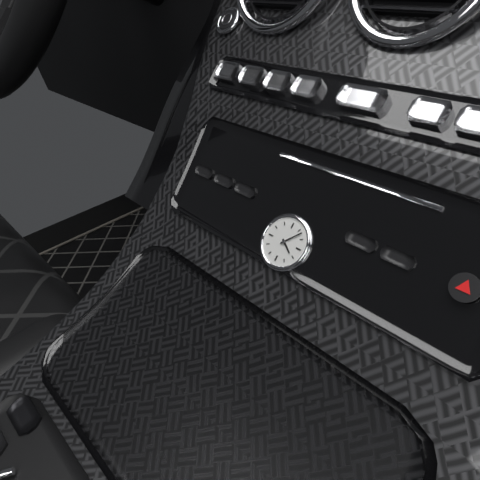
4:07
